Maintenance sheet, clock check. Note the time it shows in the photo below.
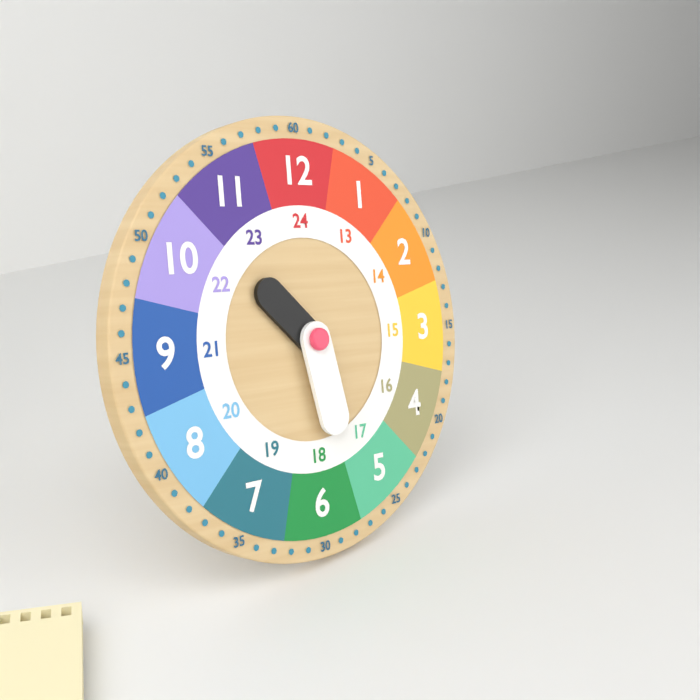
10:28
